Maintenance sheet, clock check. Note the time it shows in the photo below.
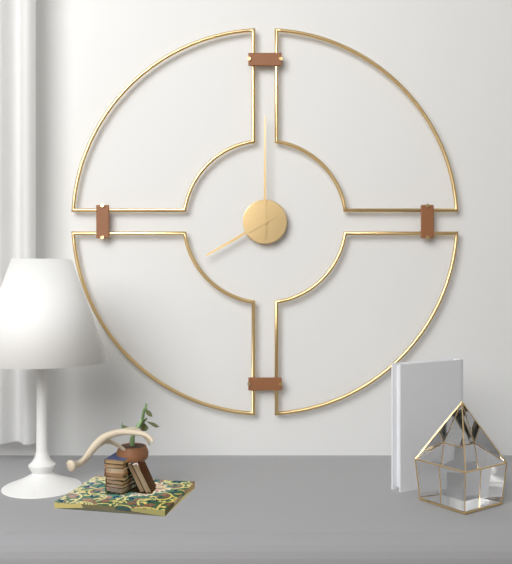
8:00
